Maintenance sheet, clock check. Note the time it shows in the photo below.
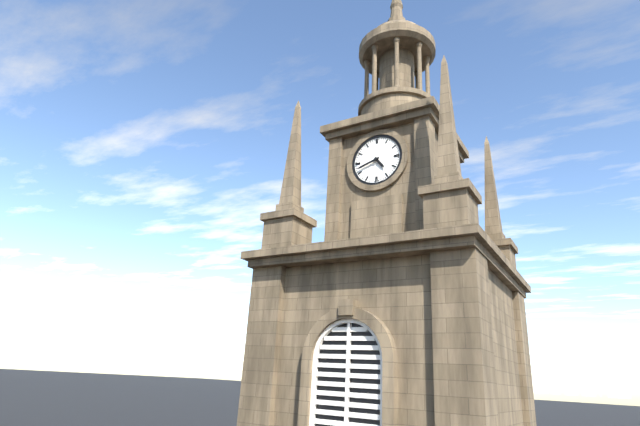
4:42
